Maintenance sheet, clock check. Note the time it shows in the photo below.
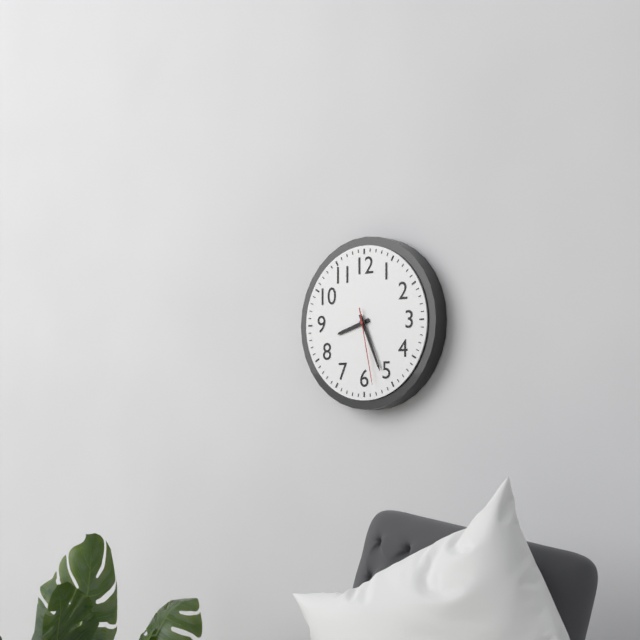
8:26:28
